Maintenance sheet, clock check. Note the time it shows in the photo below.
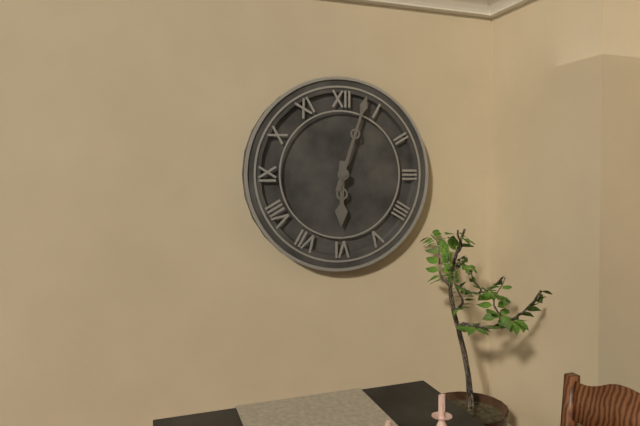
6:03
